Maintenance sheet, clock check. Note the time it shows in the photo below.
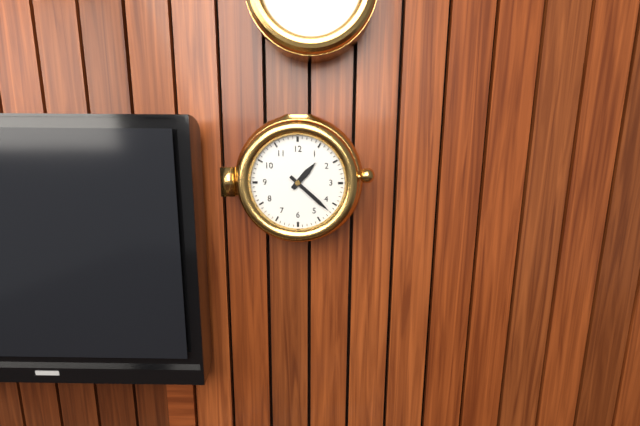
1:22
